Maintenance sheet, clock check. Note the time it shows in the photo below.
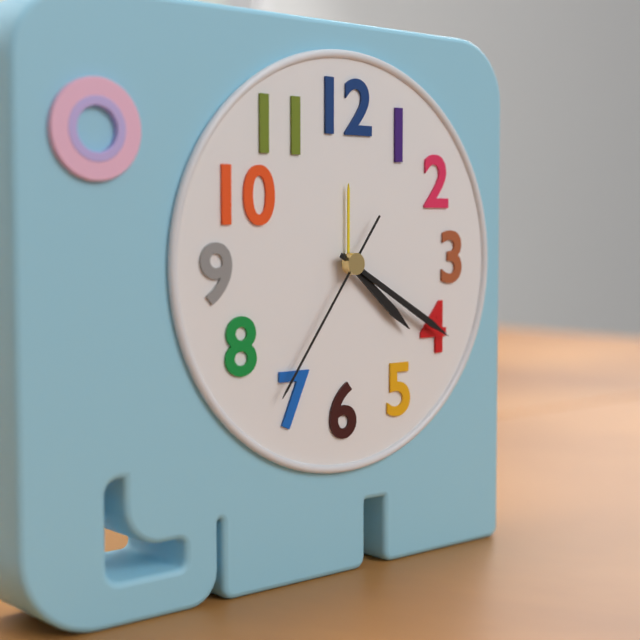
4:20:36
